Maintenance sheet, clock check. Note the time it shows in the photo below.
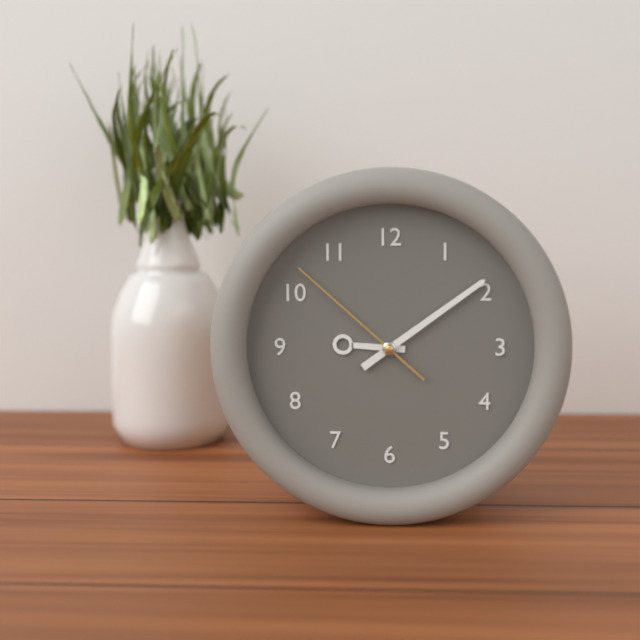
9:09:52
